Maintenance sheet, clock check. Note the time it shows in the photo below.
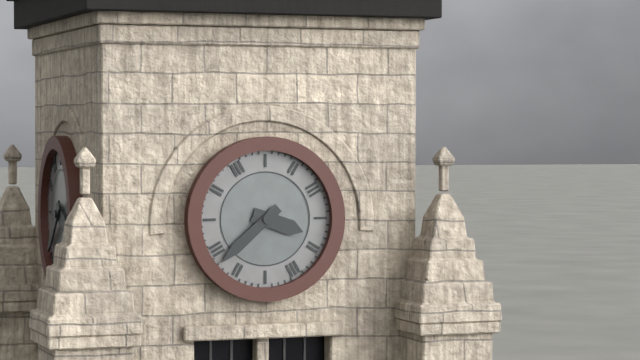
3:38
